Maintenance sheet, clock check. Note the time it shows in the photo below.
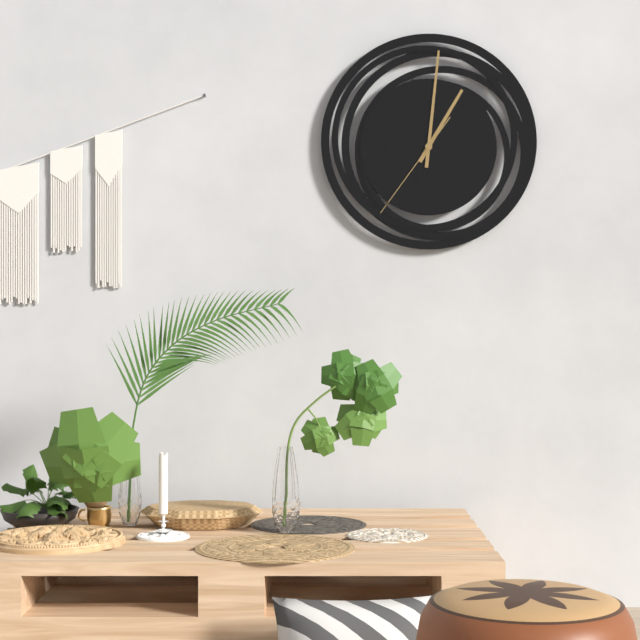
1:01:36
